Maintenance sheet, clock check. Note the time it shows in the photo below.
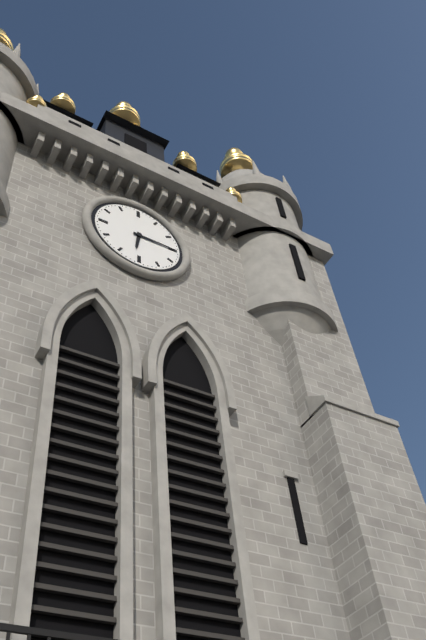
6:15
